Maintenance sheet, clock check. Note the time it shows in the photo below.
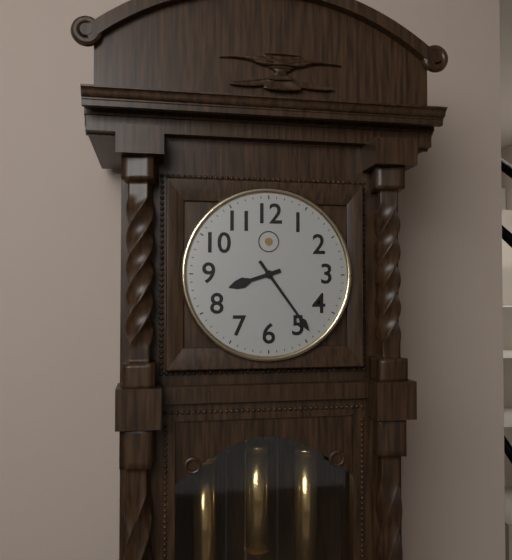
8:24
